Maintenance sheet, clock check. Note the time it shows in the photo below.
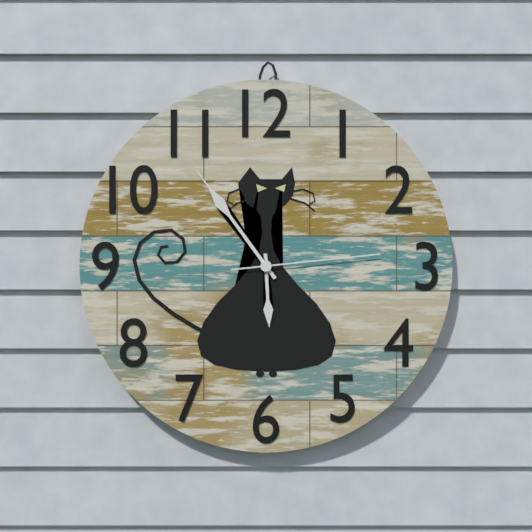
5:54:14
